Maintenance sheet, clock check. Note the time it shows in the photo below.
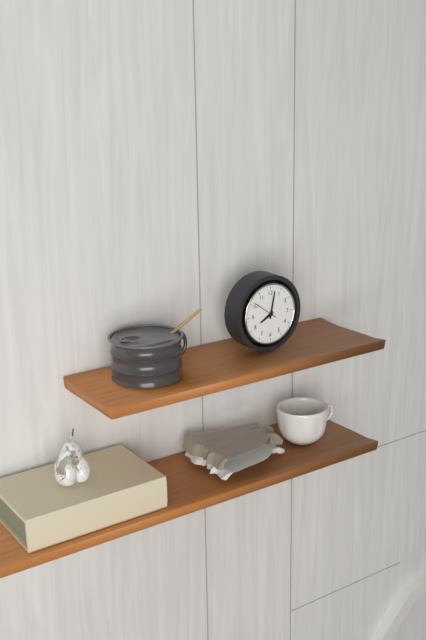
8:02
